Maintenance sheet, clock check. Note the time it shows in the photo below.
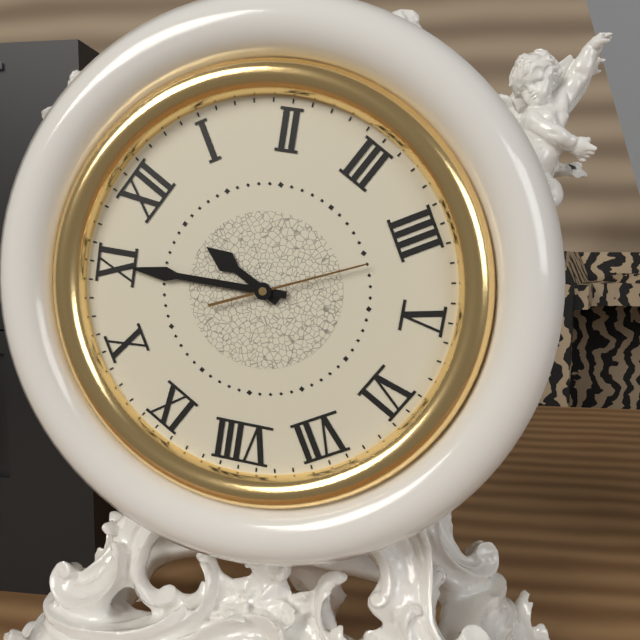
11:55:21
